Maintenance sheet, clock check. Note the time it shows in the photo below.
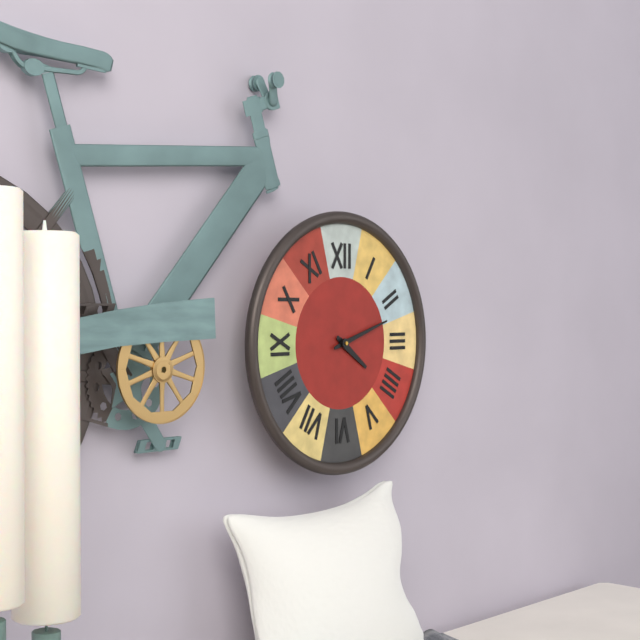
4:12
